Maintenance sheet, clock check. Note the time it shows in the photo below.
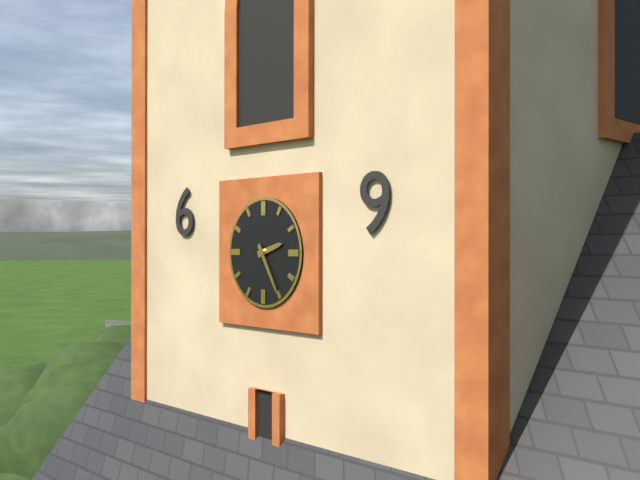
2:25
